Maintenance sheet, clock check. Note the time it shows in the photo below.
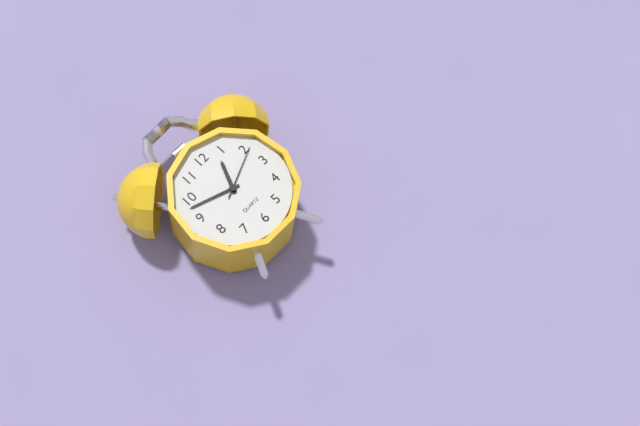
12:48:11
